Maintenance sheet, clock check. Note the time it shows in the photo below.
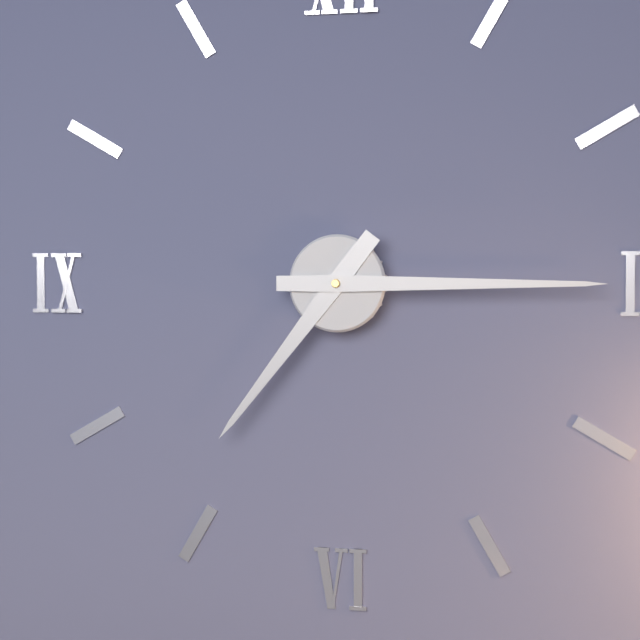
7:15
